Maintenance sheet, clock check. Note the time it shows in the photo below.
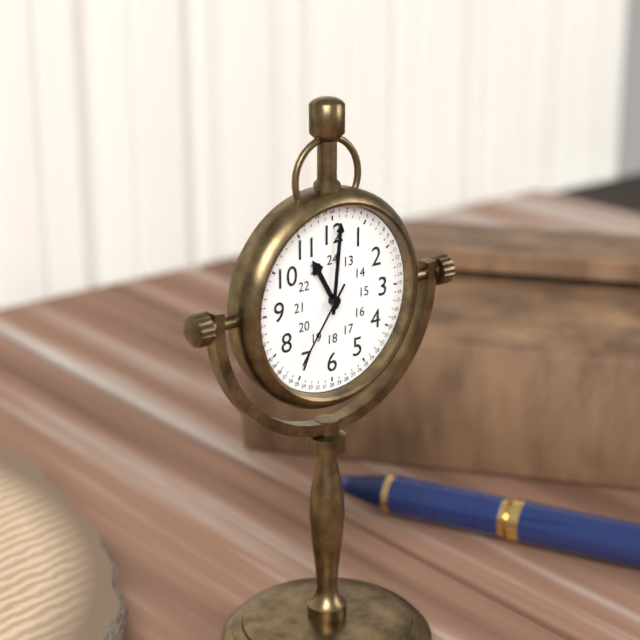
11:01:36
